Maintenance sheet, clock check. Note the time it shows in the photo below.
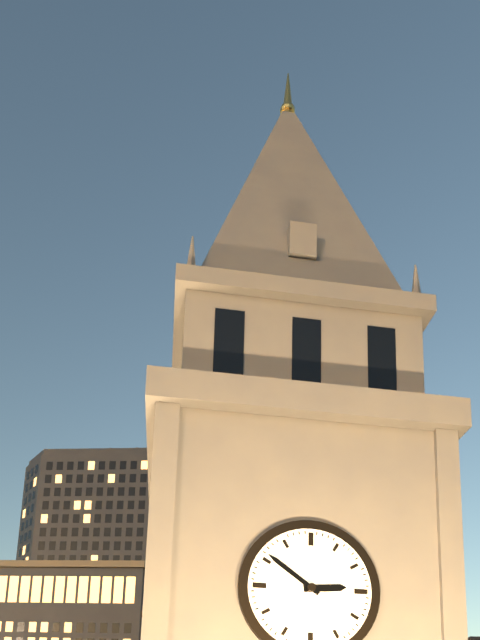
2:51
